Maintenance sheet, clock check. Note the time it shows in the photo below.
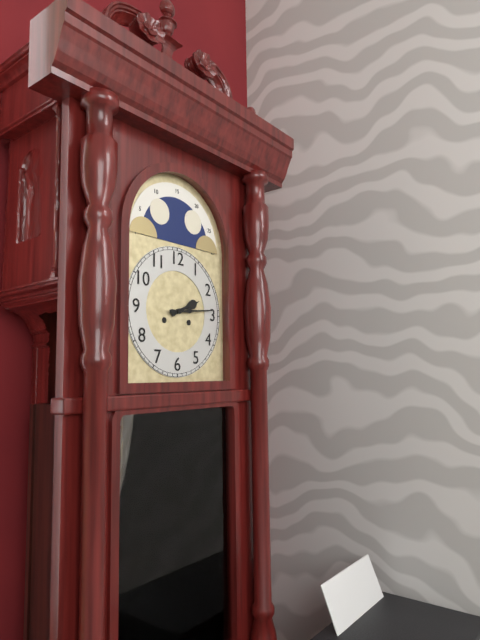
2:14
